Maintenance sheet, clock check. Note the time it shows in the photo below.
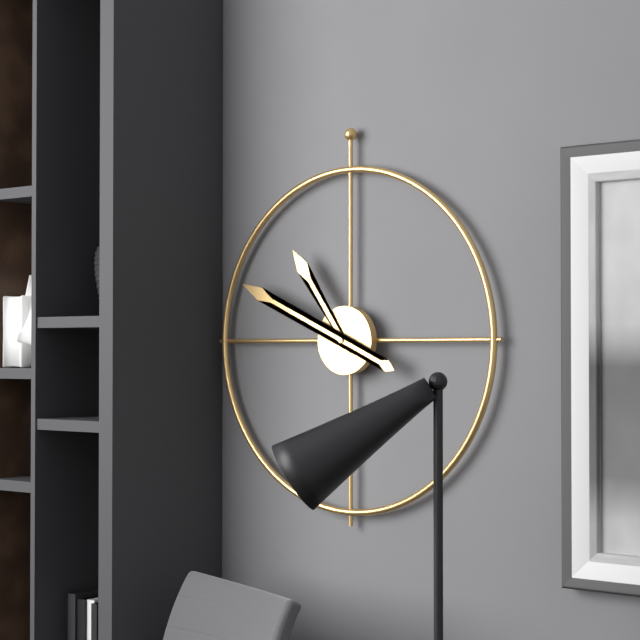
10:49
